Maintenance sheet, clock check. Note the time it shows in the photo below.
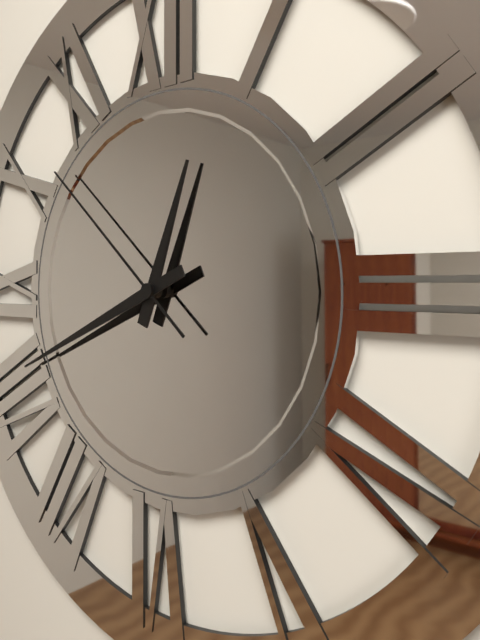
12:41:52
